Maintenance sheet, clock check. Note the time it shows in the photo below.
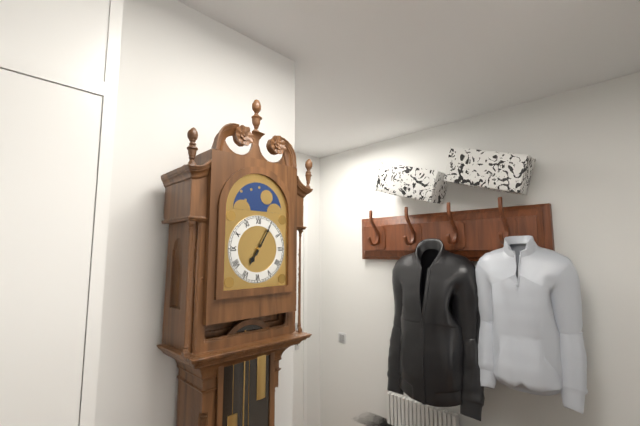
7:05
